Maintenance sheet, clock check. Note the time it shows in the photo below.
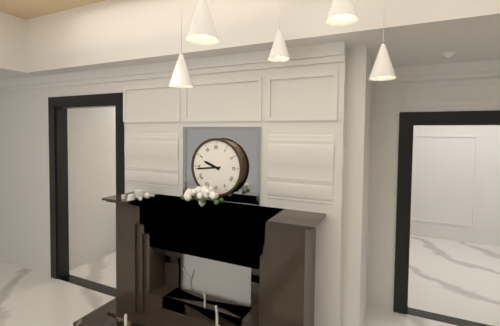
9:44
